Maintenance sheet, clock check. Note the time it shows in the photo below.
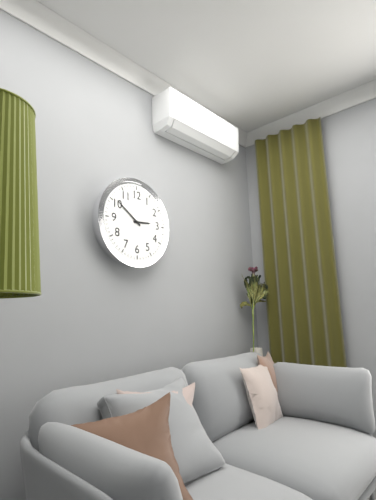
2:51
